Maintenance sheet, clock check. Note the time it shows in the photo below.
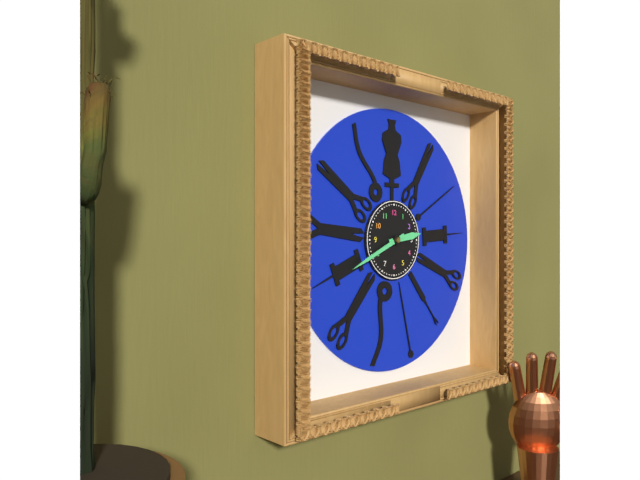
2:41
